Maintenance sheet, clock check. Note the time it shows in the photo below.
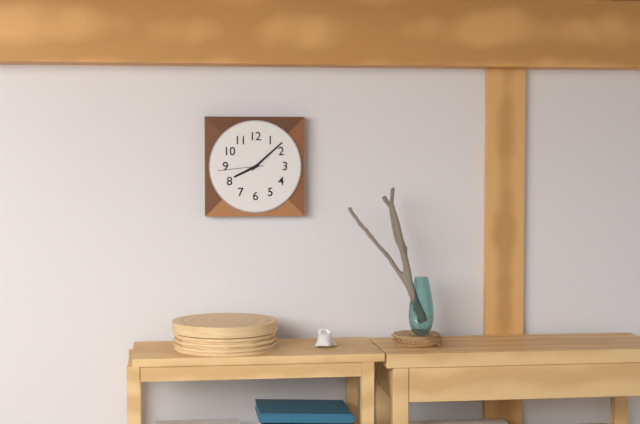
8:08
